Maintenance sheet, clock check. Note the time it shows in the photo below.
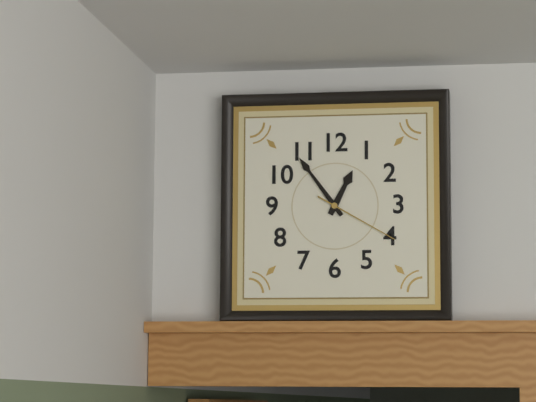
12:54:20
